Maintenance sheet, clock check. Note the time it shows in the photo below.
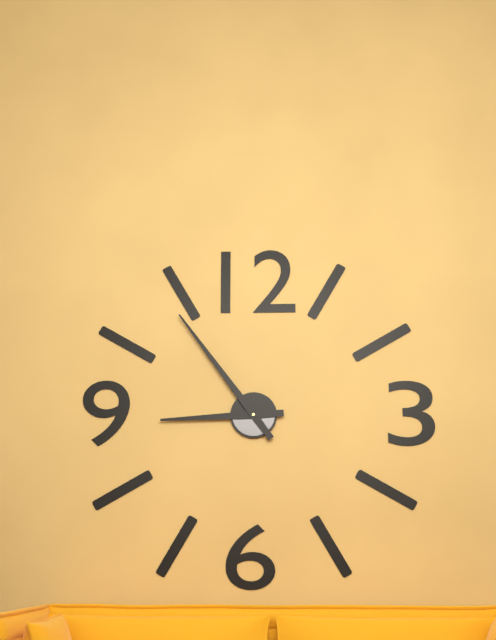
8:54
